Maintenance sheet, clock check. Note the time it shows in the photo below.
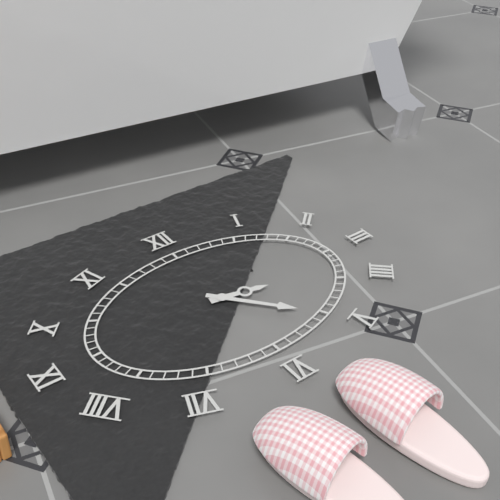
3:23
